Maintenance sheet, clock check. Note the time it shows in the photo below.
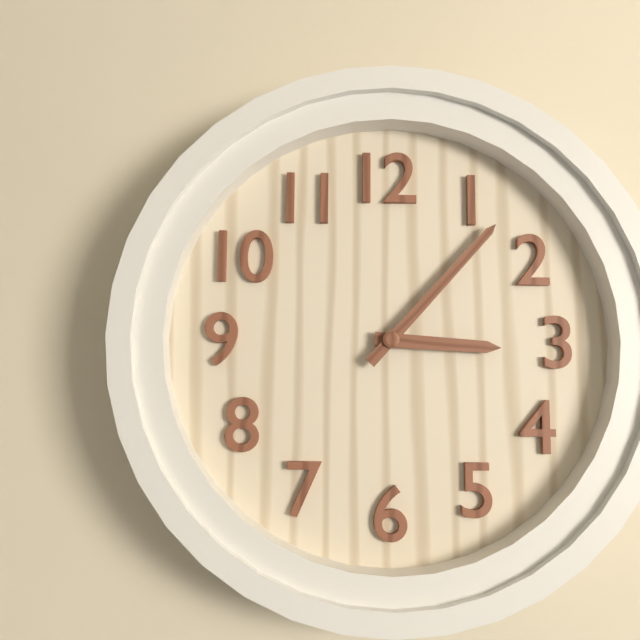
3:07
